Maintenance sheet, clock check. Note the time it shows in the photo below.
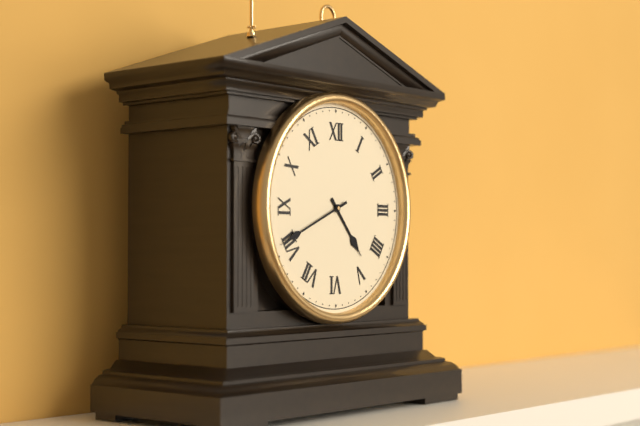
4:41
